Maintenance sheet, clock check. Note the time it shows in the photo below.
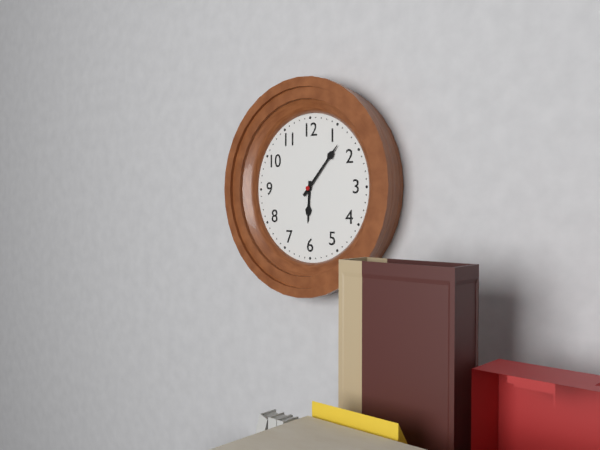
6:07
